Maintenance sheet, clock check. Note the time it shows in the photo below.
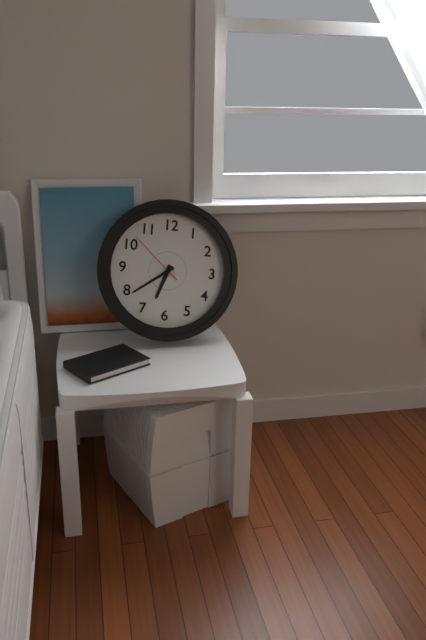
6:39:52
